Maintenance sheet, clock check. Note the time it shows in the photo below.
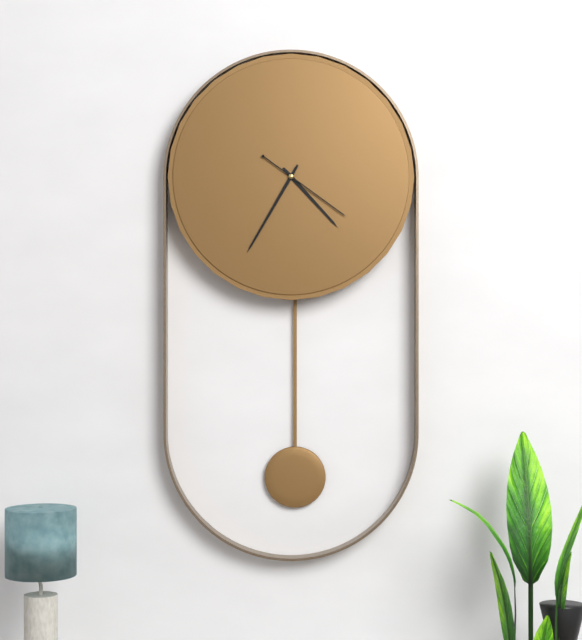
4:35:21
